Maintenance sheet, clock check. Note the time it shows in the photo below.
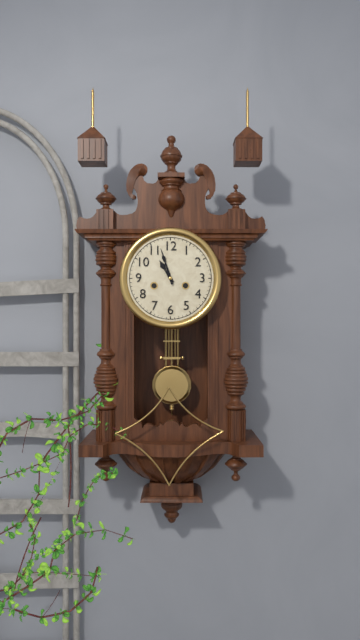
10:57
